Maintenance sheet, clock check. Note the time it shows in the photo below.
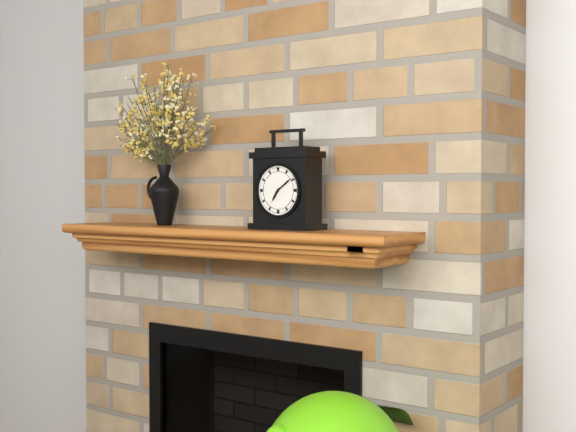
7:09
